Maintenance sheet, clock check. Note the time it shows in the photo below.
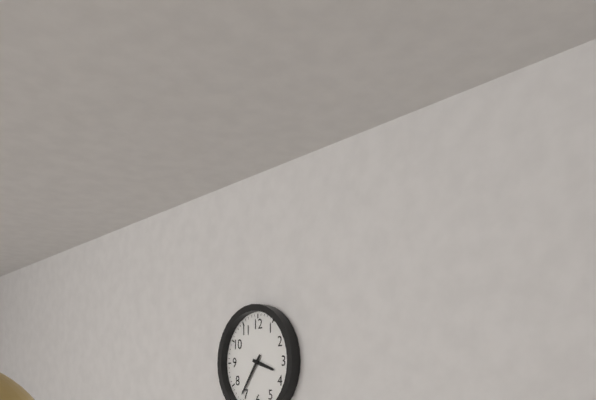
3:36
